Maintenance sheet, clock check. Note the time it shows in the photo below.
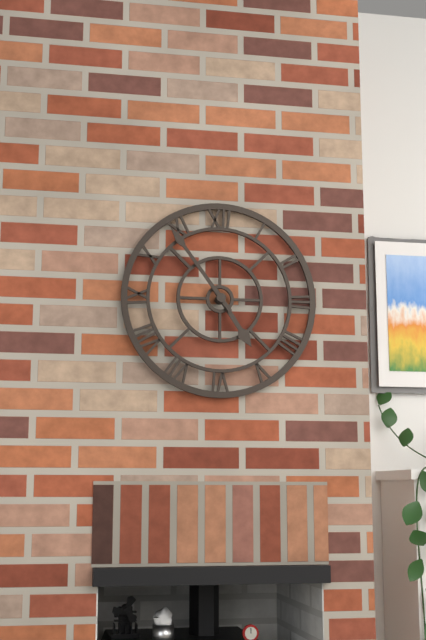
4:54
